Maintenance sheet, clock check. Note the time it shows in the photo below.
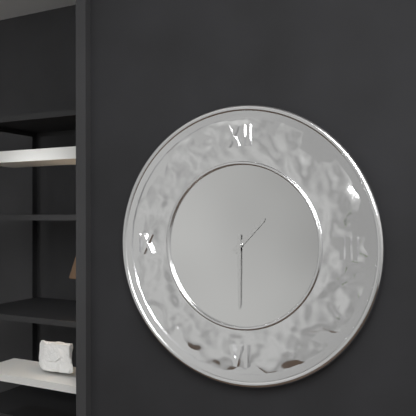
1:30
